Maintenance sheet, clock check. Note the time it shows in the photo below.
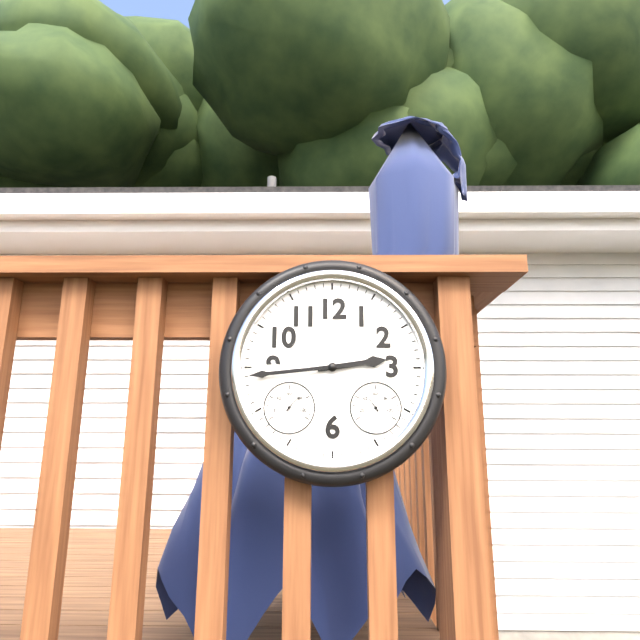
2:44
